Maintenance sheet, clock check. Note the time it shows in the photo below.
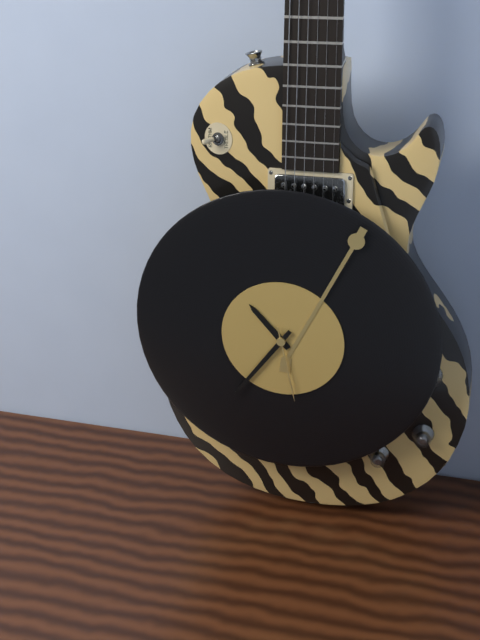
10:36:28
